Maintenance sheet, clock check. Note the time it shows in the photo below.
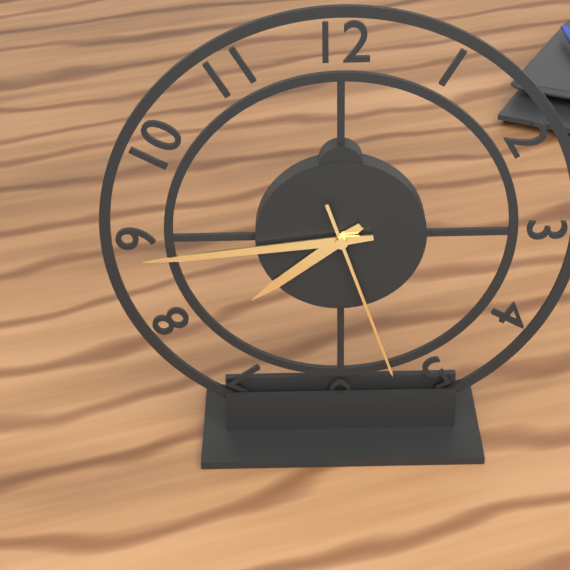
7:44:27
